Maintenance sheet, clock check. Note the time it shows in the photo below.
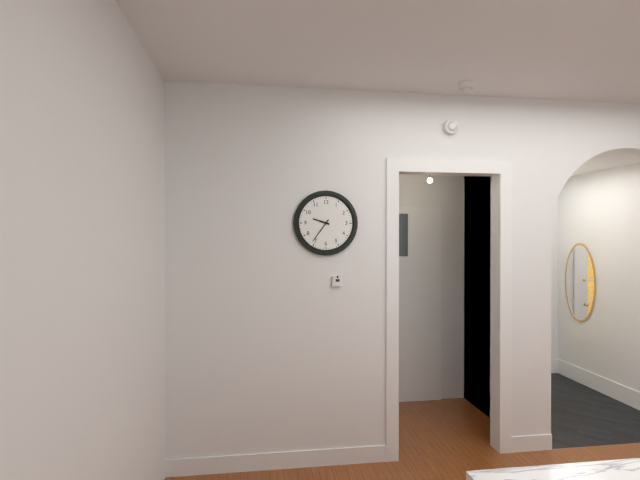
9:36
